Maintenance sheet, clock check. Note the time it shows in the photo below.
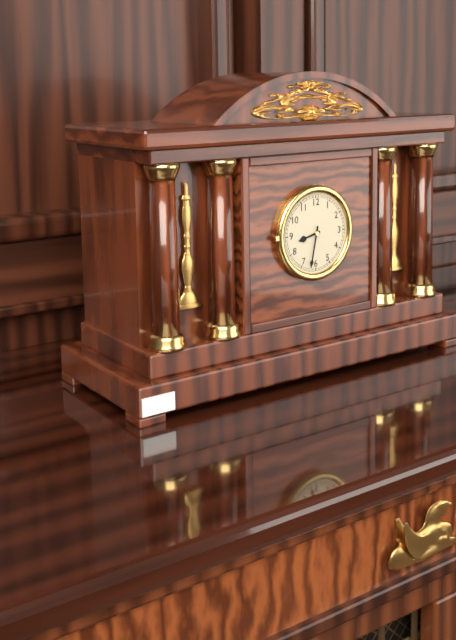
8:32
